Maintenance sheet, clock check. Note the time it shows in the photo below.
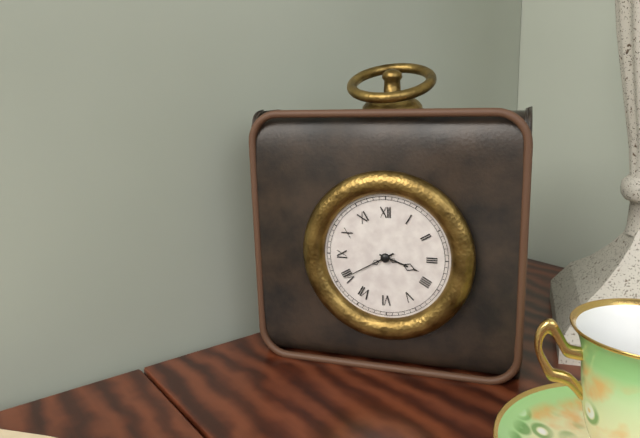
3:40
